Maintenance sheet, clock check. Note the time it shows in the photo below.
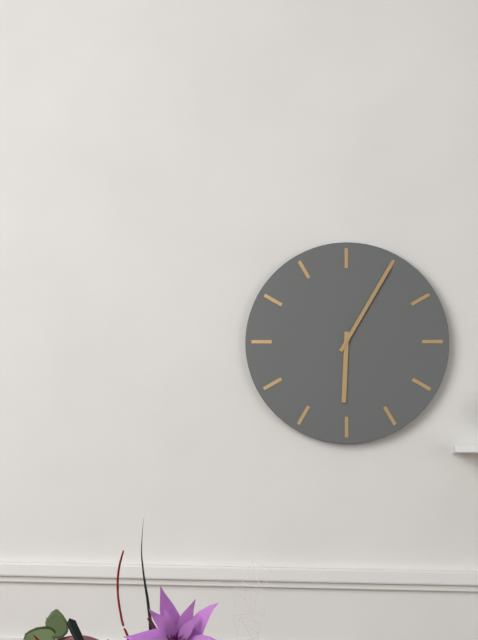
6:05
